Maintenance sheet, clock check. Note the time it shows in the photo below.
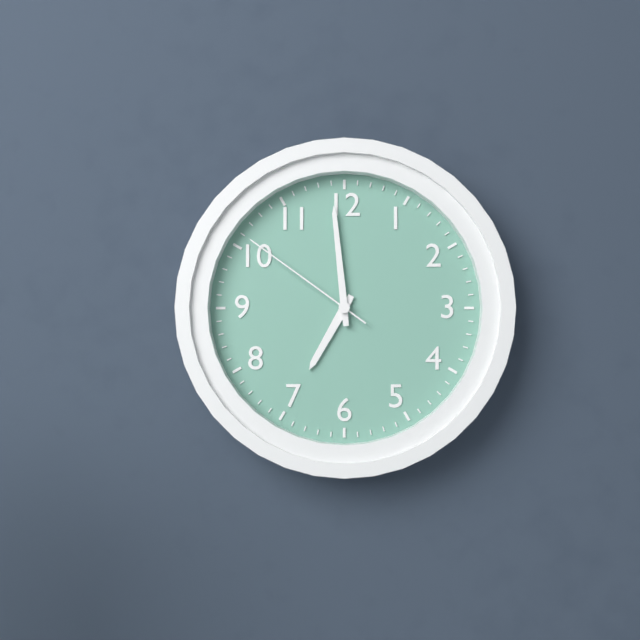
6:59:51
